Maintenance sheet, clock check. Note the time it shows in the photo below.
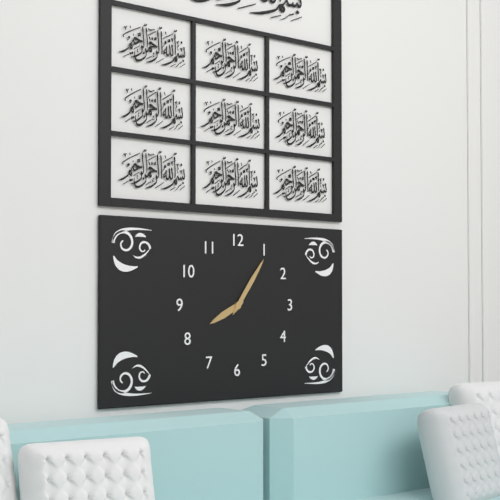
8:06
